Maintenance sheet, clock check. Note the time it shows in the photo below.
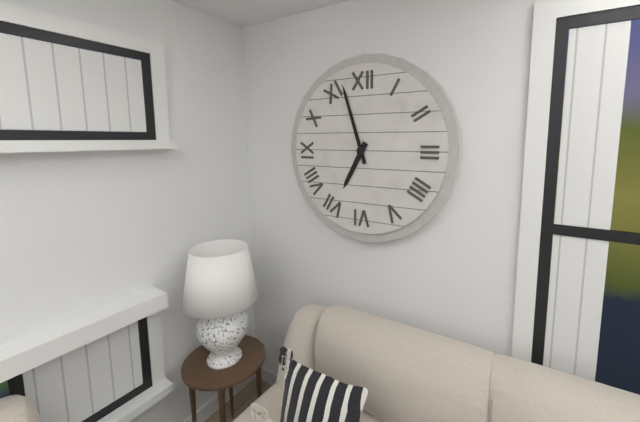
6:57
